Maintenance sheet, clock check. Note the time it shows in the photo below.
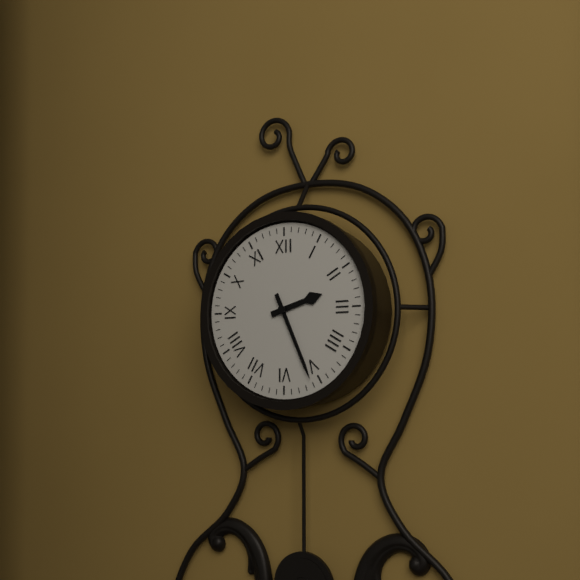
2:26
